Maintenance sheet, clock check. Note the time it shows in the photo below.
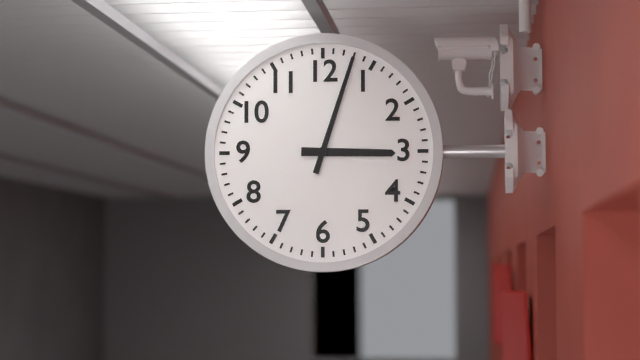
3:03
